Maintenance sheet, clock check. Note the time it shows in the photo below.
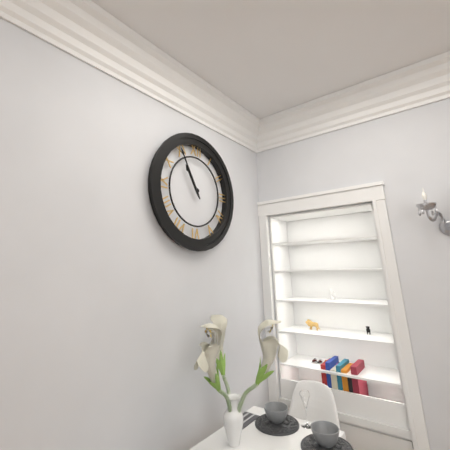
10:55
